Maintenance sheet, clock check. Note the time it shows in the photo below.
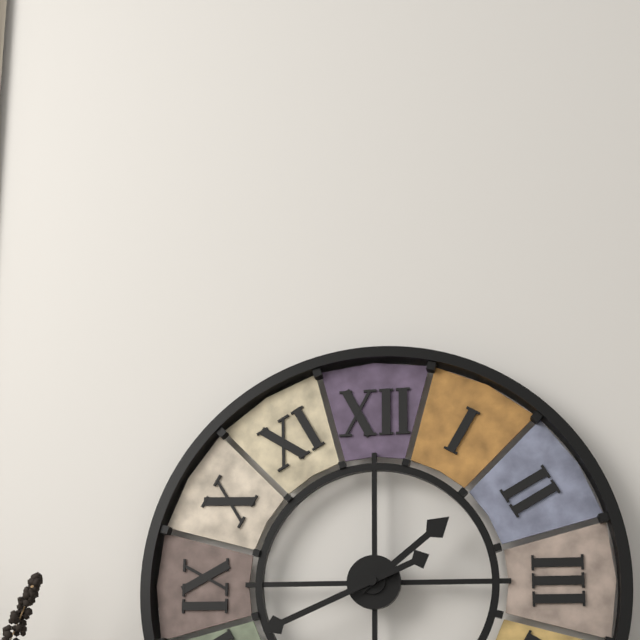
1:41
